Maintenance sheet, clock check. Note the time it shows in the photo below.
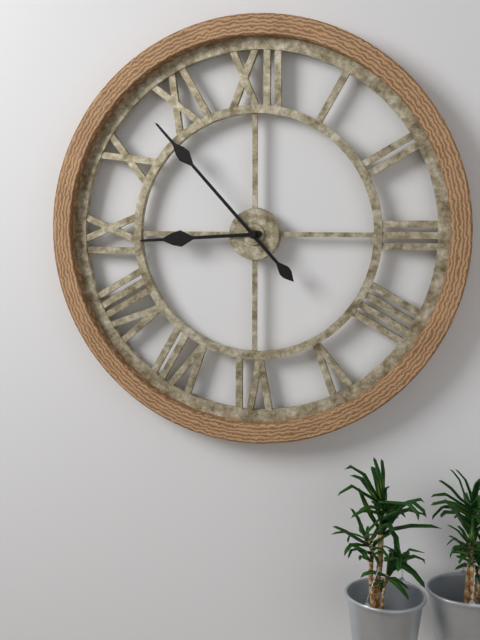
8:53
